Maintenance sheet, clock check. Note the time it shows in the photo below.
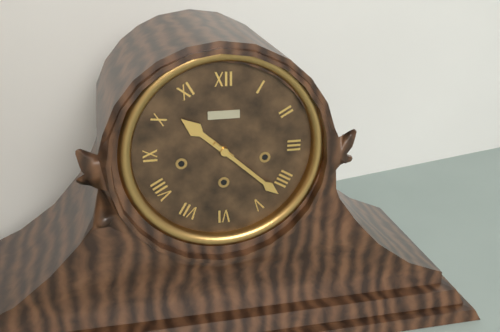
10:22
